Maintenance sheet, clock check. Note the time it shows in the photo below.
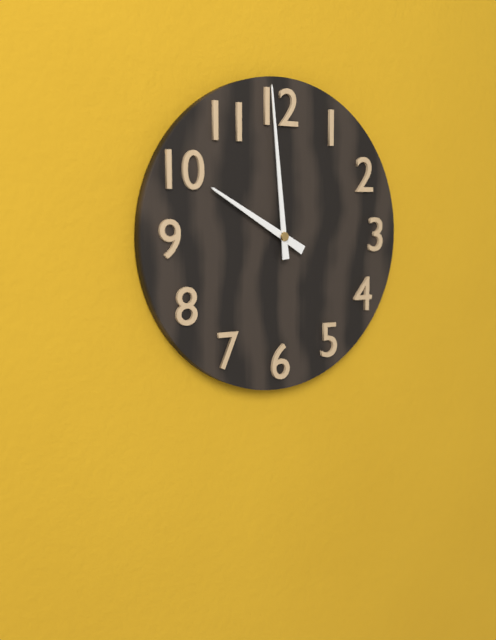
9:59
